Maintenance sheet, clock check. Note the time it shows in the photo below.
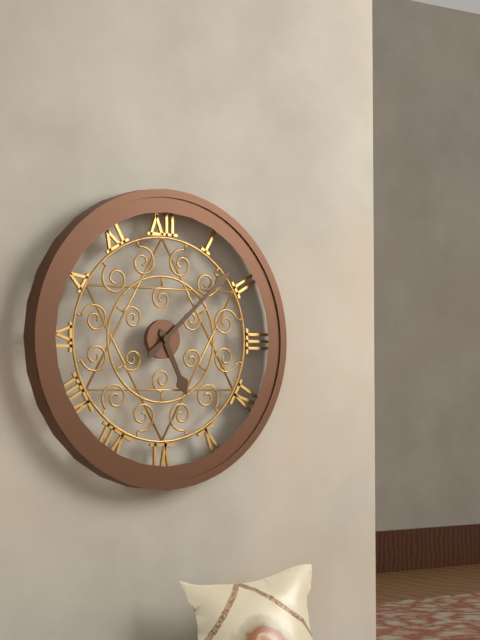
5:08
